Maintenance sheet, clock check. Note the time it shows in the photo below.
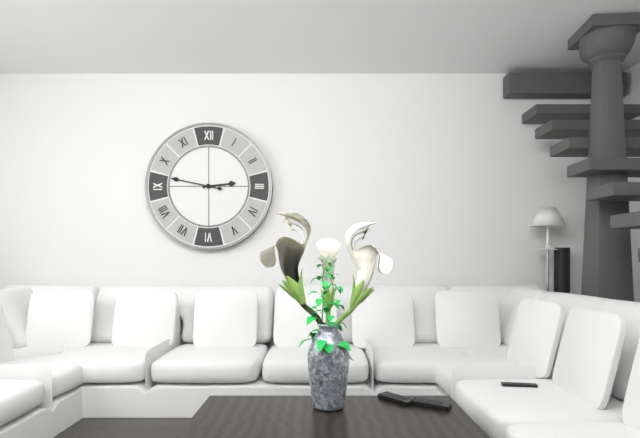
2:47
